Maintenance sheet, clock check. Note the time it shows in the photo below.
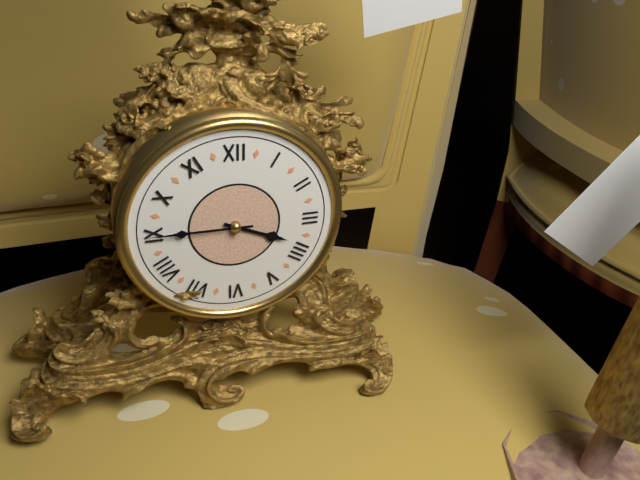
3:45
